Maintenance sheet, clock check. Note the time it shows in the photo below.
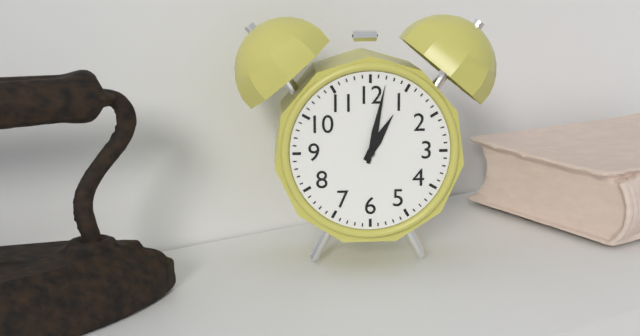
1:02
